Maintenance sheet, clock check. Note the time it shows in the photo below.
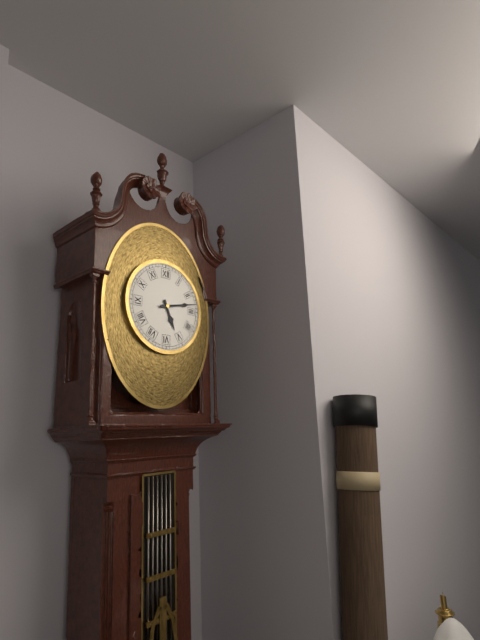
5:13
